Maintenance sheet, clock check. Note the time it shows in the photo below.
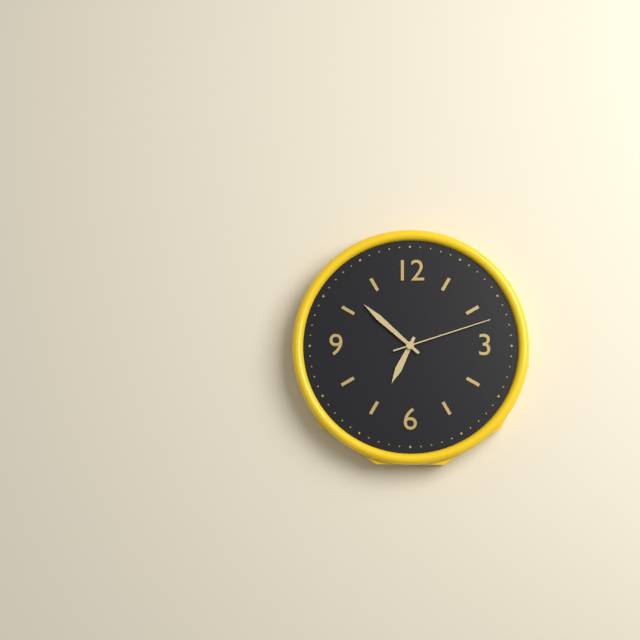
6:52:12
